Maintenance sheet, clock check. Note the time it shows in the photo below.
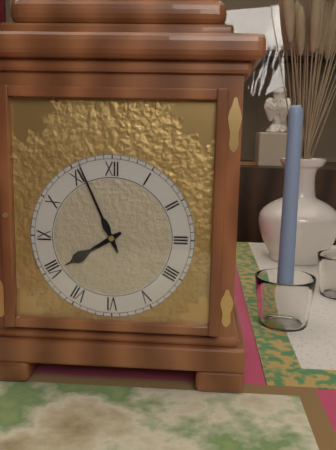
7:56
